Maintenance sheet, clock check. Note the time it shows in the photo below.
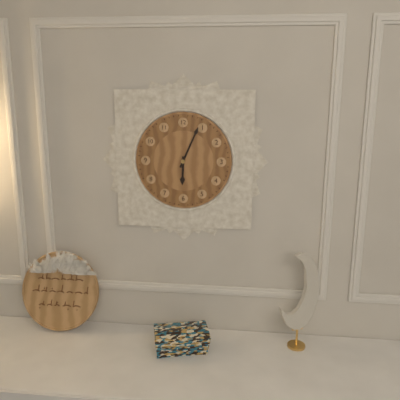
6:04
